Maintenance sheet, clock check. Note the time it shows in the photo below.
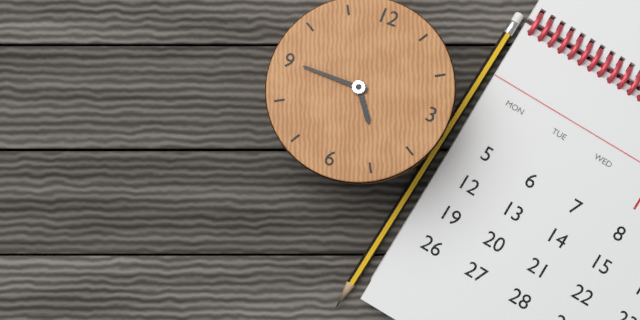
4:45
